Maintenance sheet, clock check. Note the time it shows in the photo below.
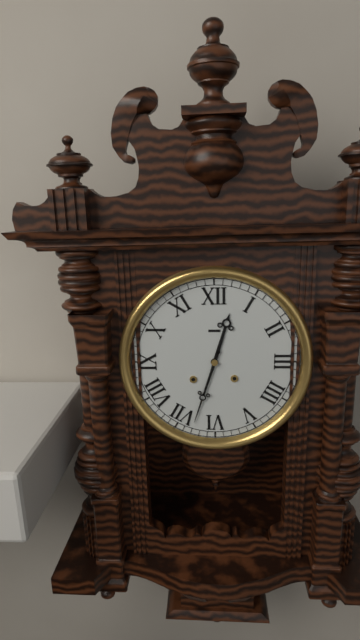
12:33
